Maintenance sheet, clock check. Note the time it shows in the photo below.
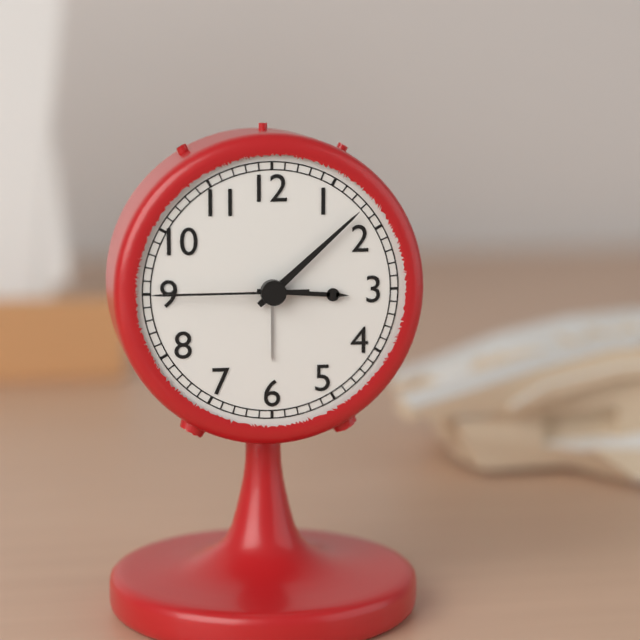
3:08:45
